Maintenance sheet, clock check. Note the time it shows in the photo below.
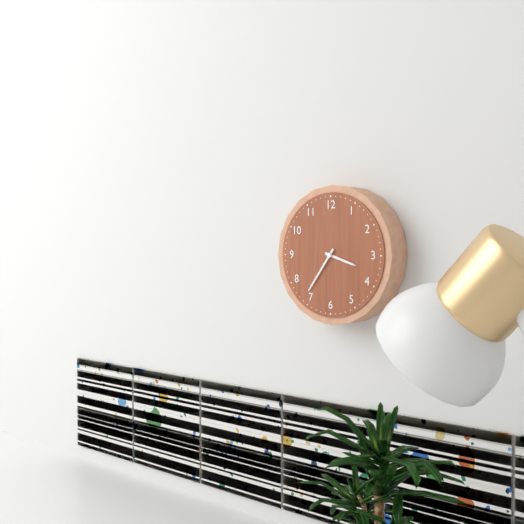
3:36
